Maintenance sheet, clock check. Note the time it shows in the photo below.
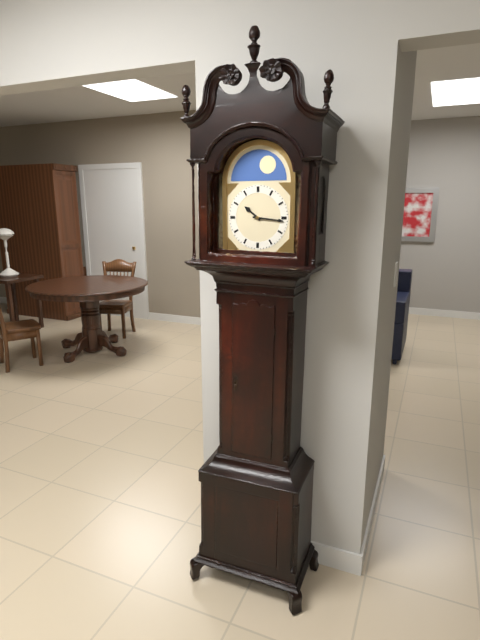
10:16
